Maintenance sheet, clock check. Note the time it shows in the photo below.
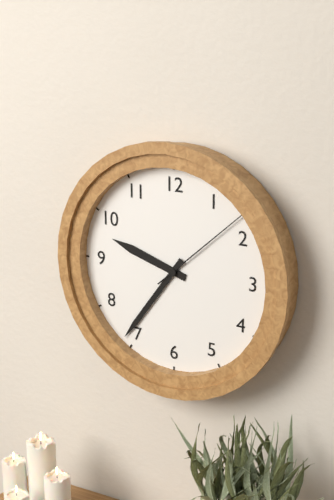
9:36:08
